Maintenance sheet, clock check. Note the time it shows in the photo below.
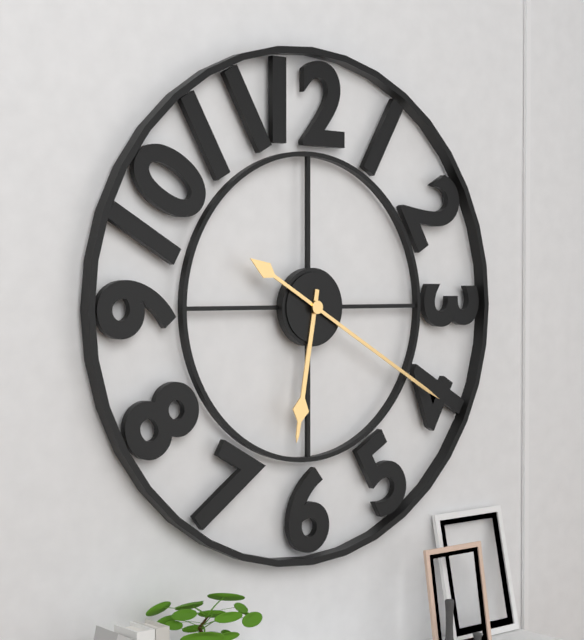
6:20
